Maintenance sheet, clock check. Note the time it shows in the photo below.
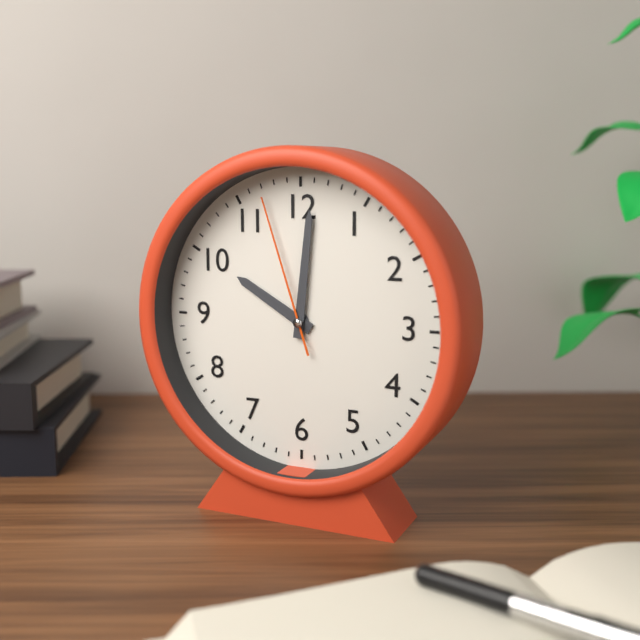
10:01:57
